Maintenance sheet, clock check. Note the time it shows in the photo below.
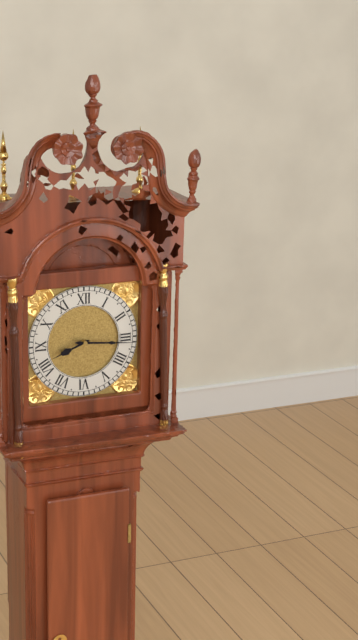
8:16
